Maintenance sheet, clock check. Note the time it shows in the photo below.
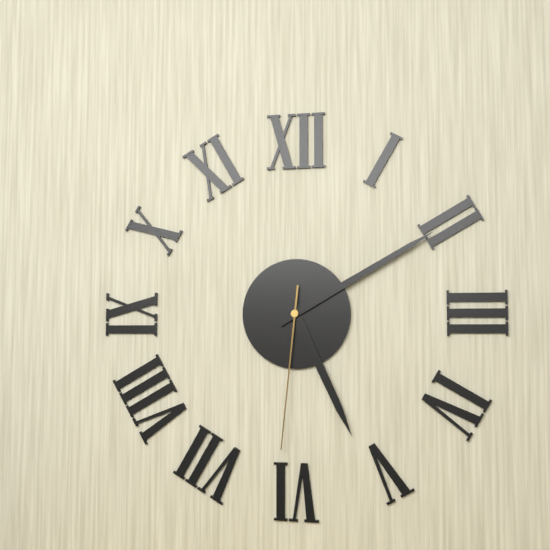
5:10:31
